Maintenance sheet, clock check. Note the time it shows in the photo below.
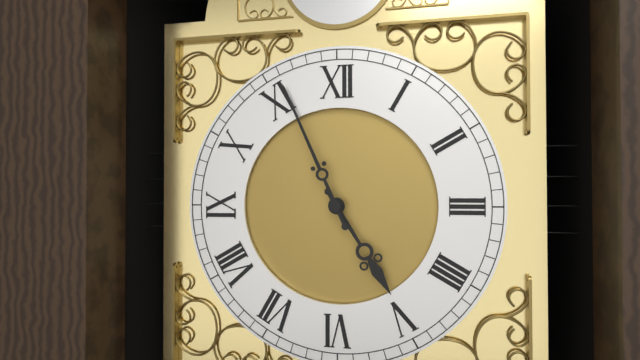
4:56
